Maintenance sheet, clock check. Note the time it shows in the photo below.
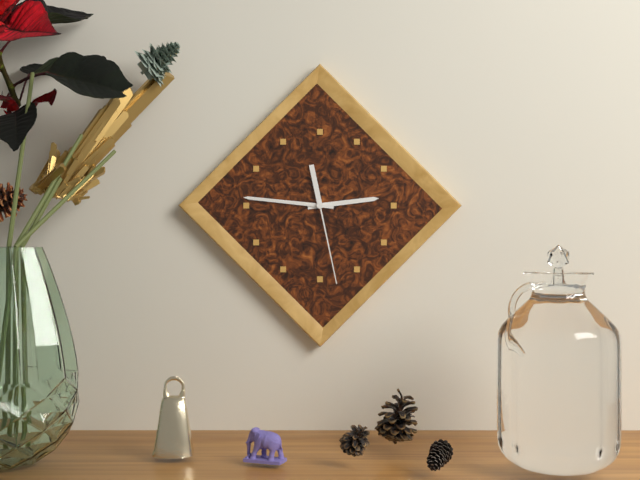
2:46:28
